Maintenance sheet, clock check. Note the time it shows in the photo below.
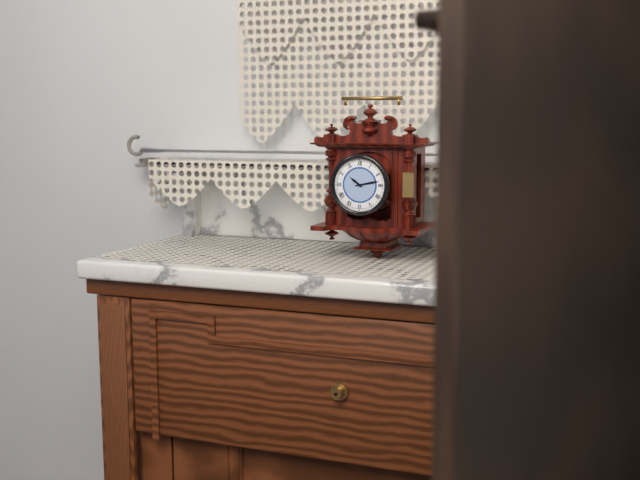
10:13
